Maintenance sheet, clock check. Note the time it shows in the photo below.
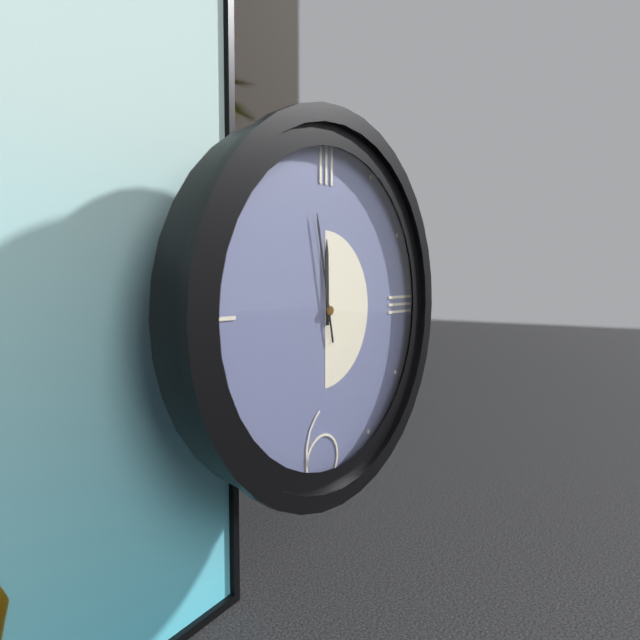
11:58
